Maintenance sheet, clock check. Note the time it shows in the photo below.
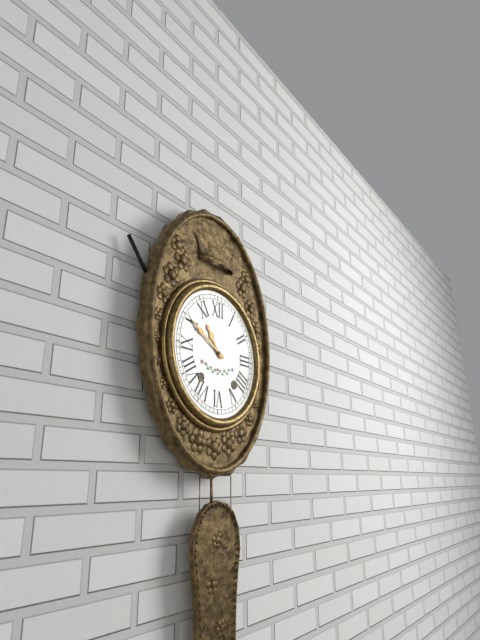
10:50
